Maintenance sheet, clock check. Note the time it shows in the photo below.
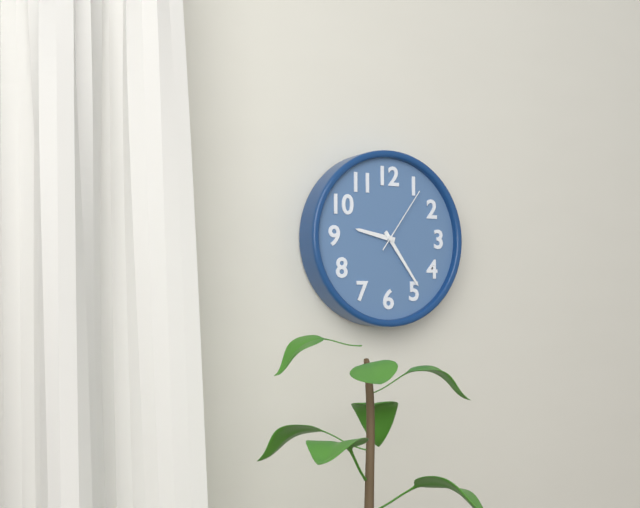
9:24:06
